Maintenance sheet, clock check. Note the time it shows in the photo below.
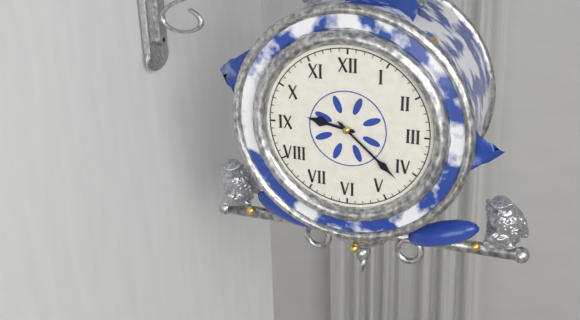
9:22
